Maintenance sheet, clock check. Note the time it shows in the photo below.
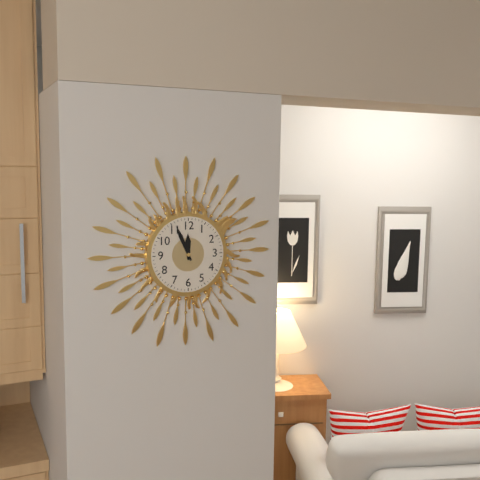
11:56
